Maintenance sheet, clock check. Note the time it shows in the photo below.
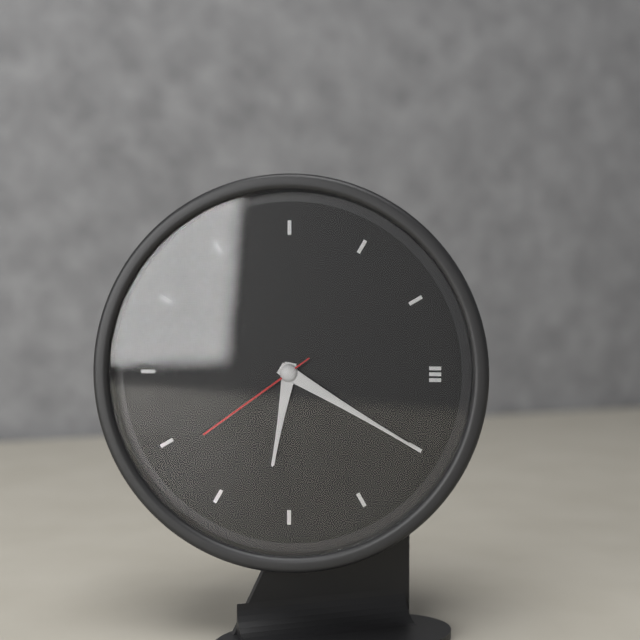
6:20:39
